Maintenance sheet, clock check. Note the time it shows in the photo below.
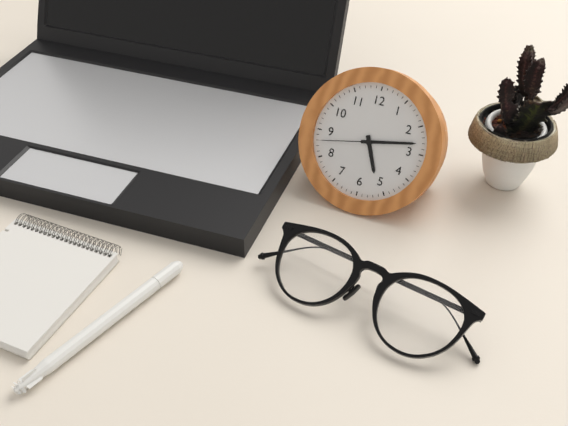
5:13:43
